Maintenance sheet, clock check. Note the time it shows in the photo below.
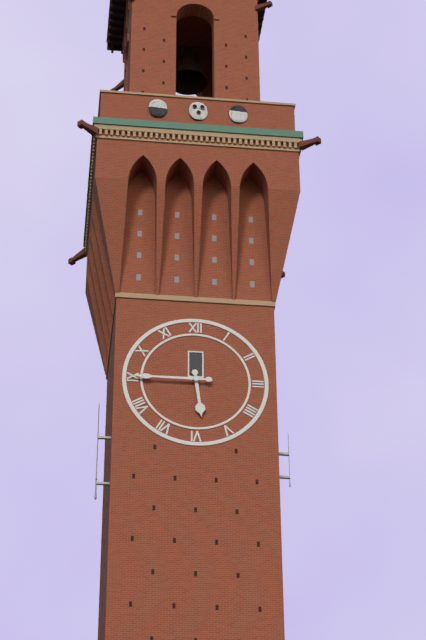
5:45
